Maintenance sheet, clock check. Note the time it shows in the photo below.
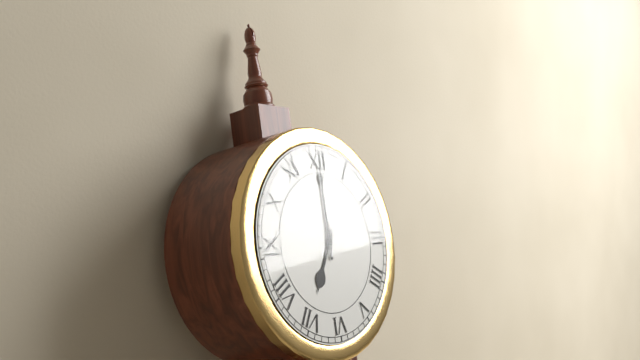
7:00
